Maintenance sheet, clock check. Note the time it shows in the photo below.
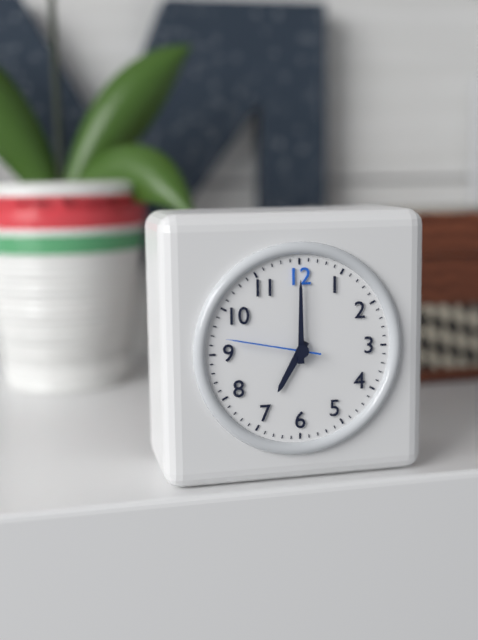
7:00:47
